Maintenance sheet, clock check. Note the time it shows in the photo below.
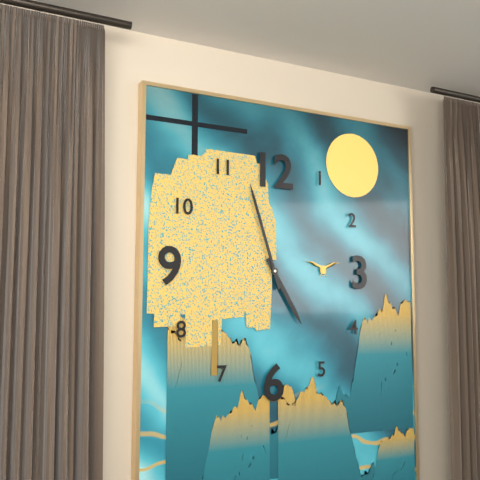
4:57
